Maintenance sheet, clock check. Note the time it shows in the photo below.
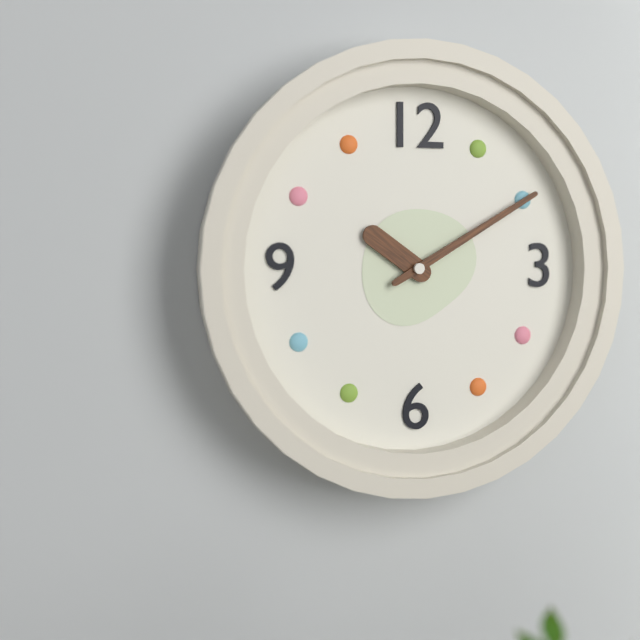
10:10
